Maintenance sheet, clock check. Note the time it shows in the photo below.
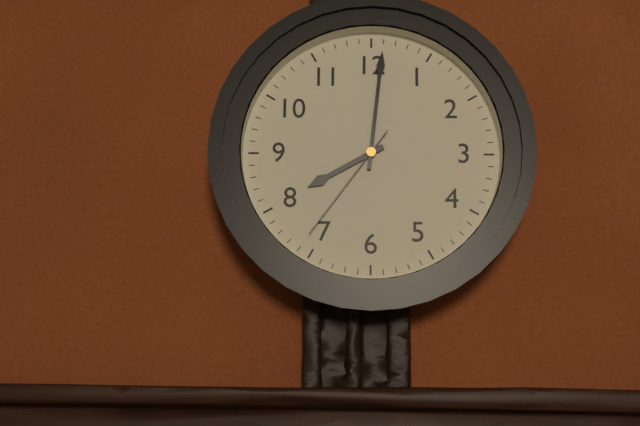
8:01:36
